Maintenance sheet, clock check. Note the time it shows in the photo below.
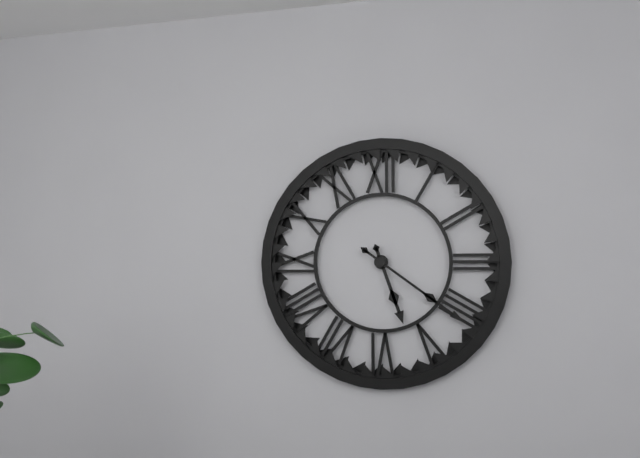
5:21
